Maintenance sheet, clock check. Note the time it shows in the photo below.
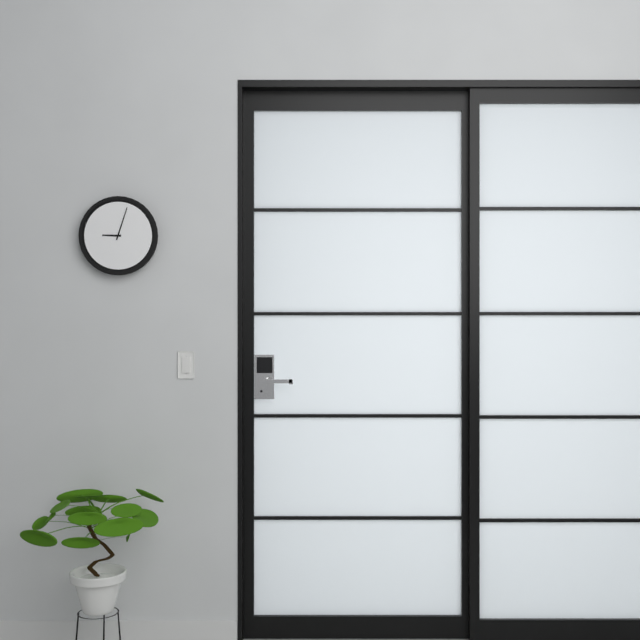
9:03
